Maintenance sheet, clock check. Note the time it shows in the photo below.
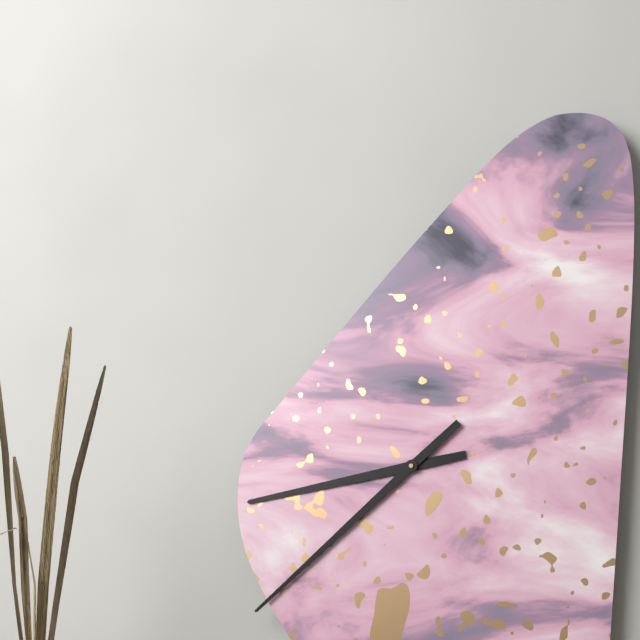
8:38
